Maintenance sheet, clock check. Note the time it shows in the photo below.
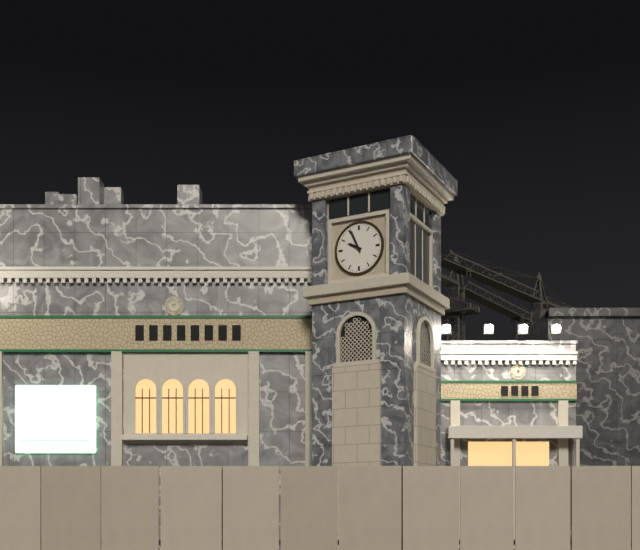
9:56
